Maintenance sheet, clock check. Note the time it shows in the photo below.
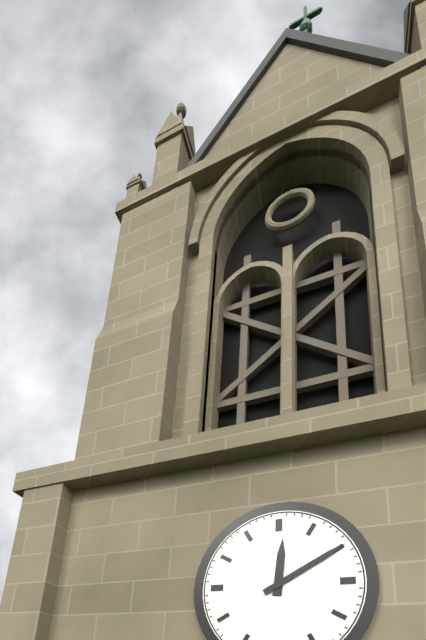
12:10
